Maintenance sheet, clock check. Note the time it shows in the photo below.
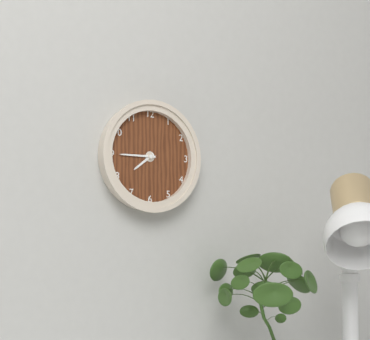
7:45
